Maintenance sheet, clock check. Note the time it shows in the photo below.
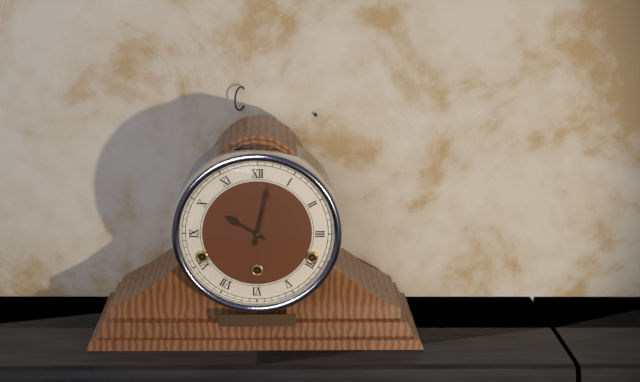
10:02
